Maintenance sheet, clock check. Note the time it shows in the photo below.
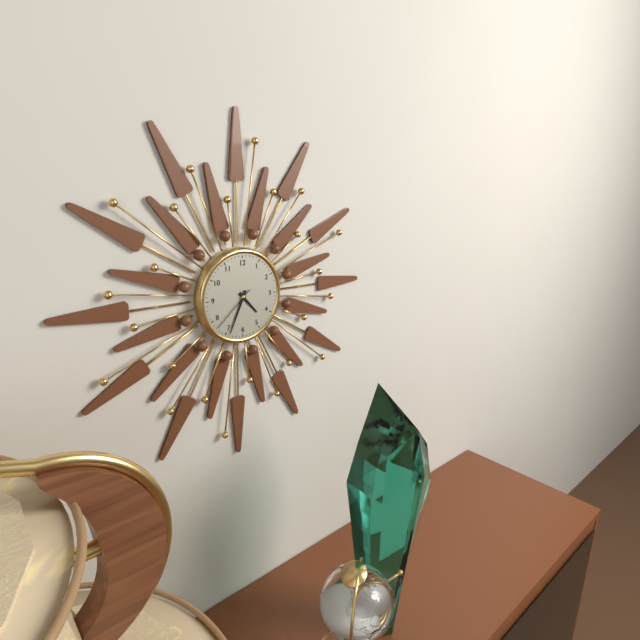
4:34:38
